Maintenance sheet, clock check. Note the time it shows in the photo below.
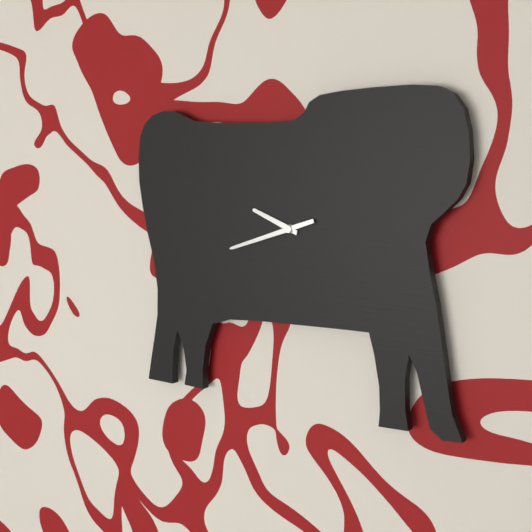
9:42
